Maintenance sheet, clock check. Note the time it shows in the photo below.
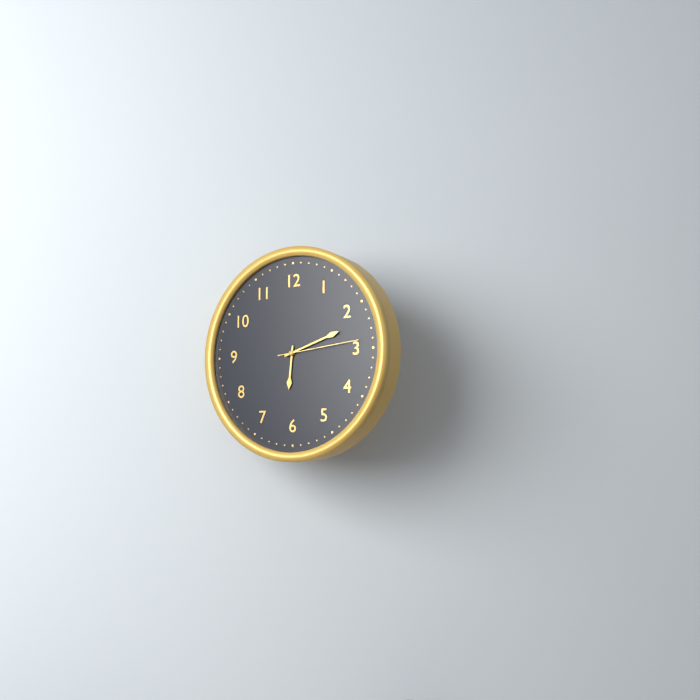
6:12:14
